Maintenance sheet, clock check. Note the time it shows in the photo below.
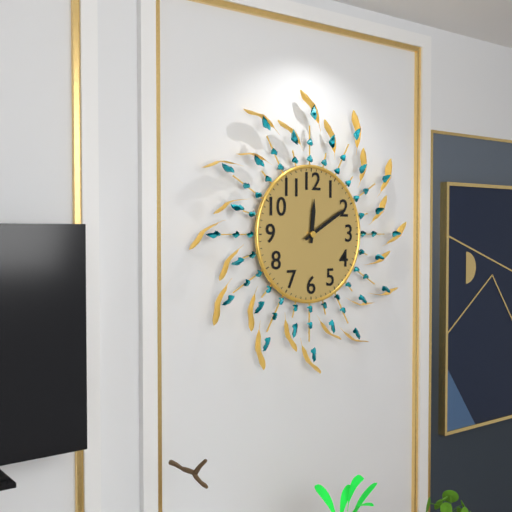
12:10
